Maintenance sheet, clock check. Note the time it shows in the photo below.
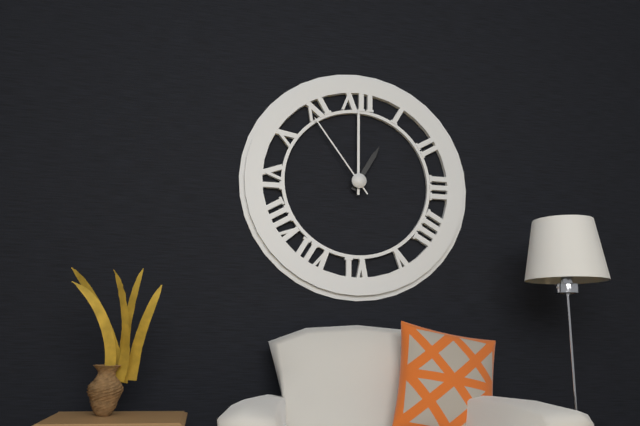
1:00:54
